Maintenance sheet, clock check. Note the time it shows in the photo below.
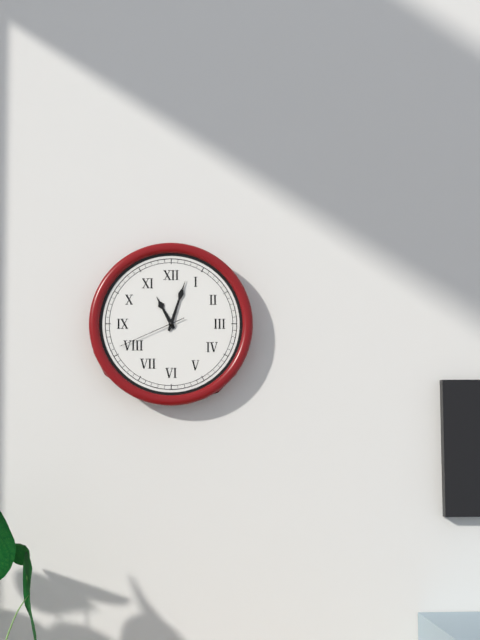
11:03:41
